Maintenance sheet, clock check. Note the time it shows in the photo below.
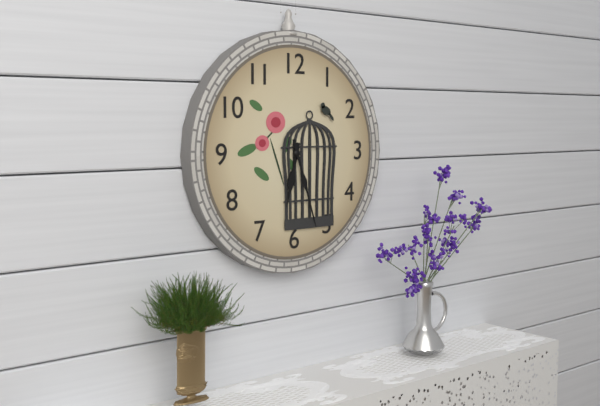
6:27
